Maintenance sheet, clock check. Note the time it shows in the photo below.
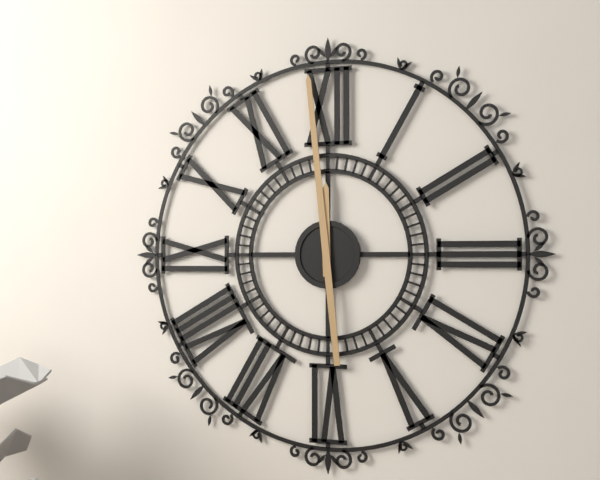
11:59
